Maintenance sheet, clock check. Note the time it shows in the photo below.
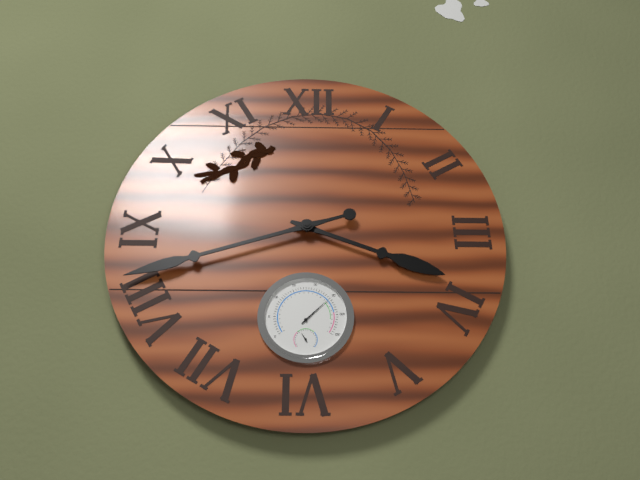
3:42
